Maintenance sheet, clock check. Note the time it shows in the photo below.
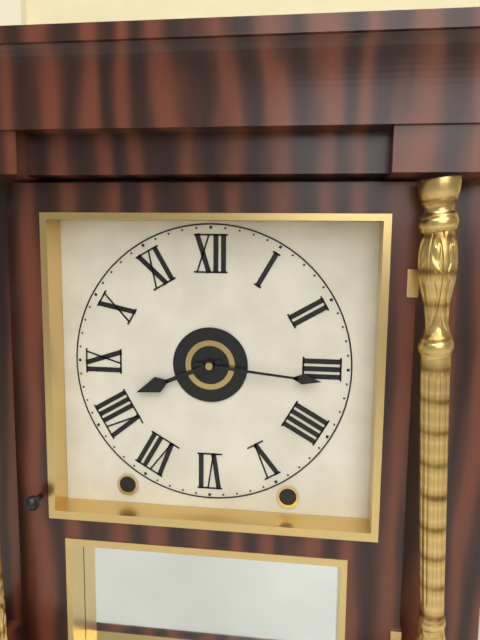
8:16
